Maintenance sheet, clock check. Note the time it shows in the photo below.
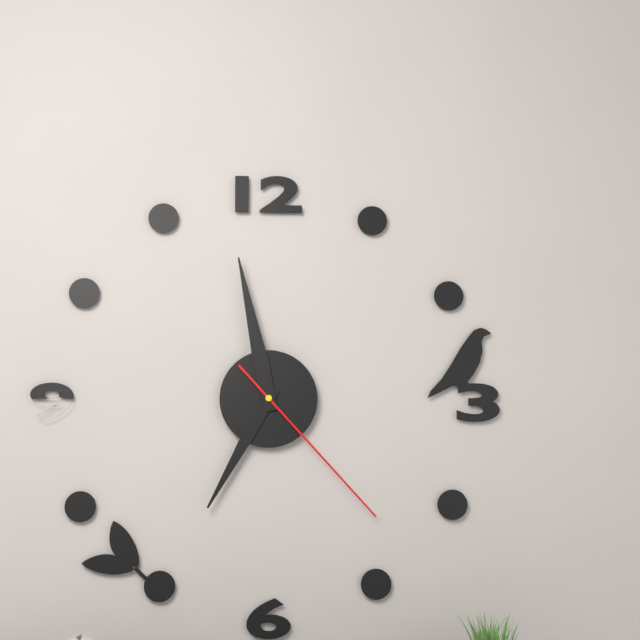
6:58:23
